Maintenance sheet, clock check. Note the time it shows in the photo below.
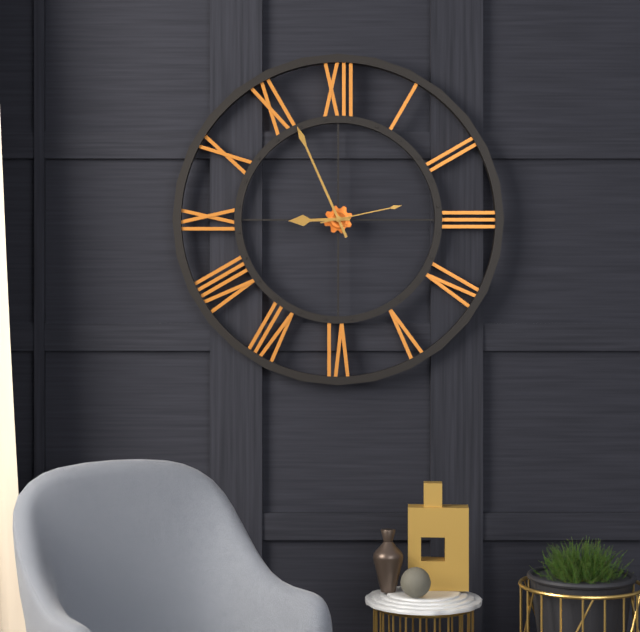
8:56:13
